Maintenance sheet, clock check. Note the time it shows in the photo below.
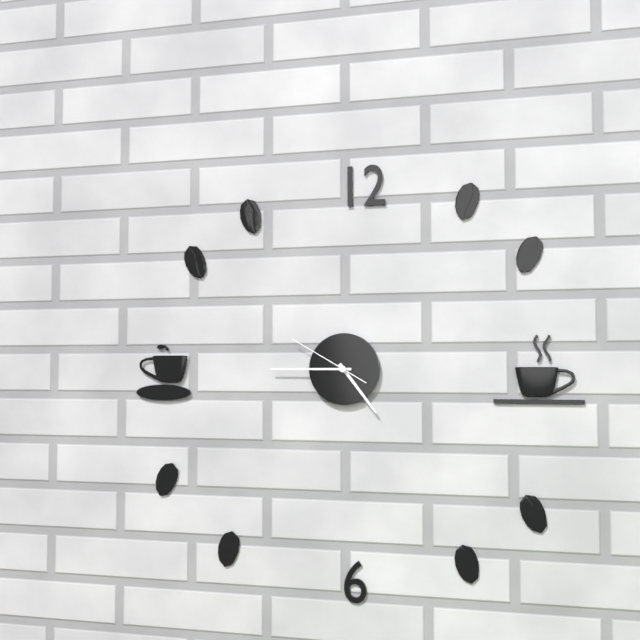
4:45:50
